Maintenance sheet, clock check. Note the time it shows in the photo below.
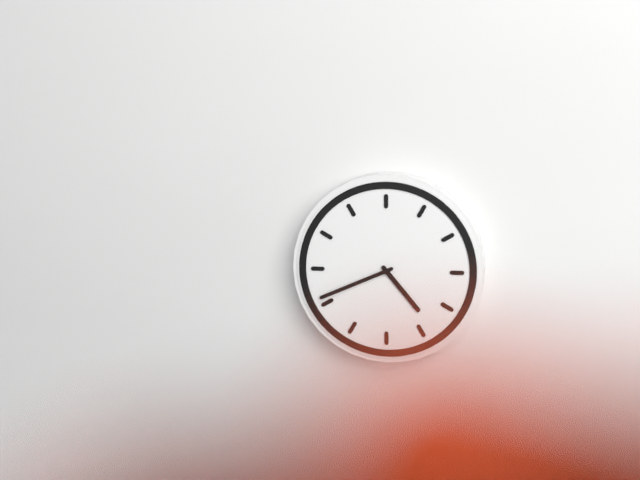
4:41
